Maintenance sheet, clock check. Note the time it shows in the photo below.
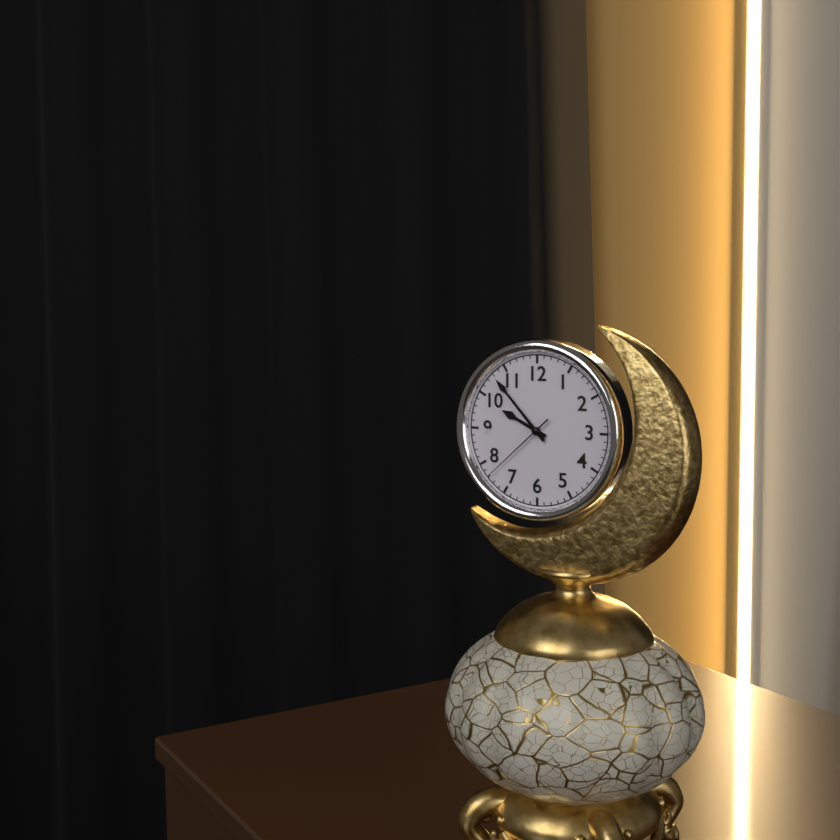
9:53:38
